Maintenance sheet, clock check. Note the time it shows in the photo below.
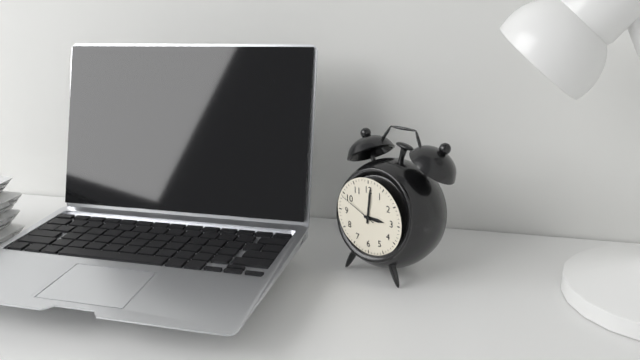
3:01
